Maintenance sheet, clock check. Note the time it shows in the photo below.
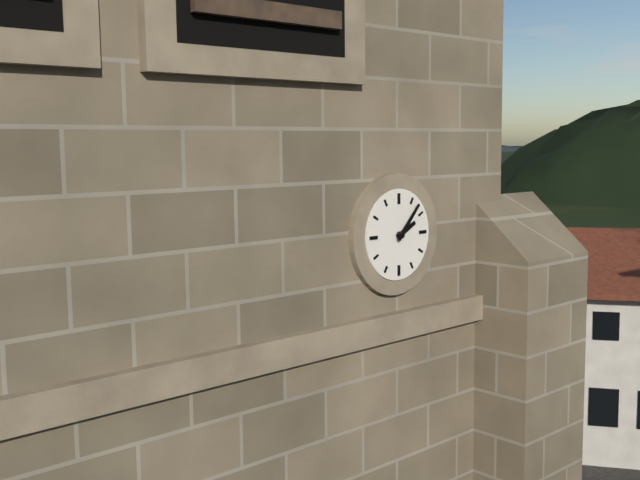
2:07
